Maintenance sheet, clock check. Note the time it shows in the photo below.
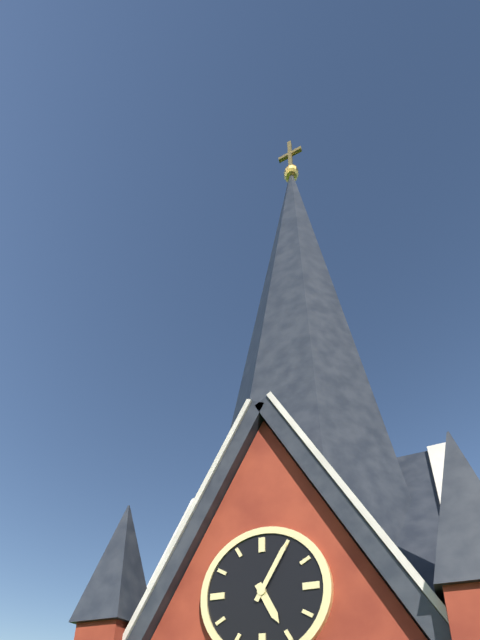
5:05
